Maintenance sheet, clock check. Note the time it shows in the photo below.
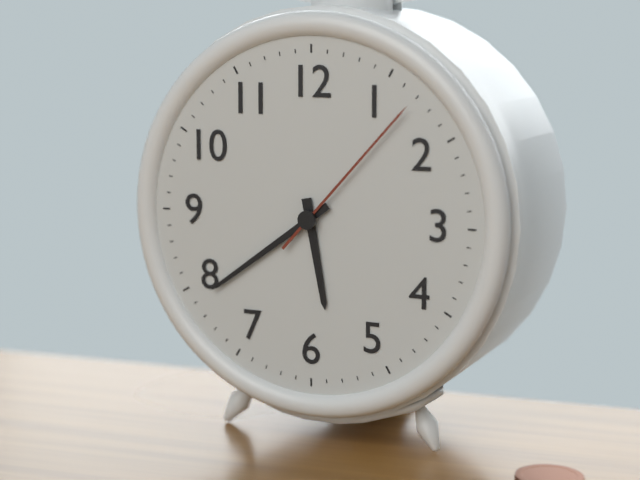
5:39:07
